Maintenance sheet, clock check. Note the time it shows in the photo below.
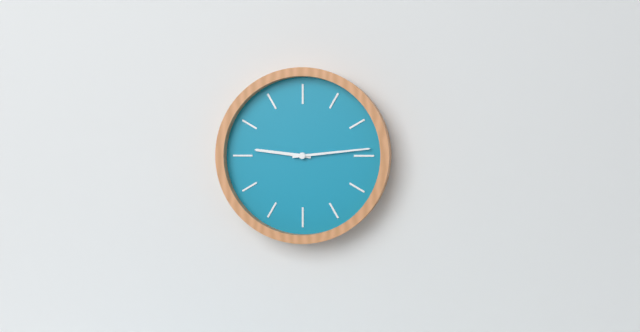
9:14
